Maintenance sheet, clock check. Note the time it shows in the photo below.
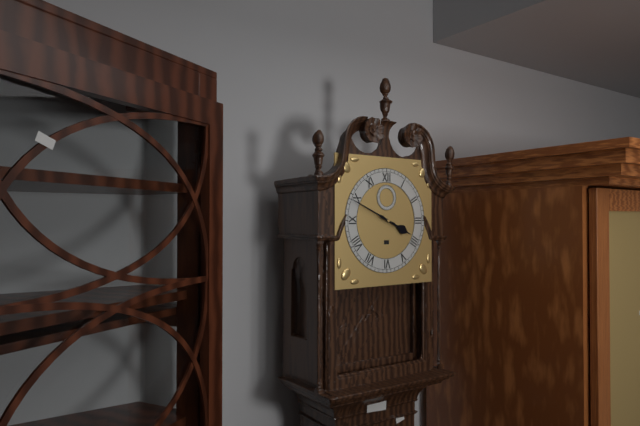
3:49
